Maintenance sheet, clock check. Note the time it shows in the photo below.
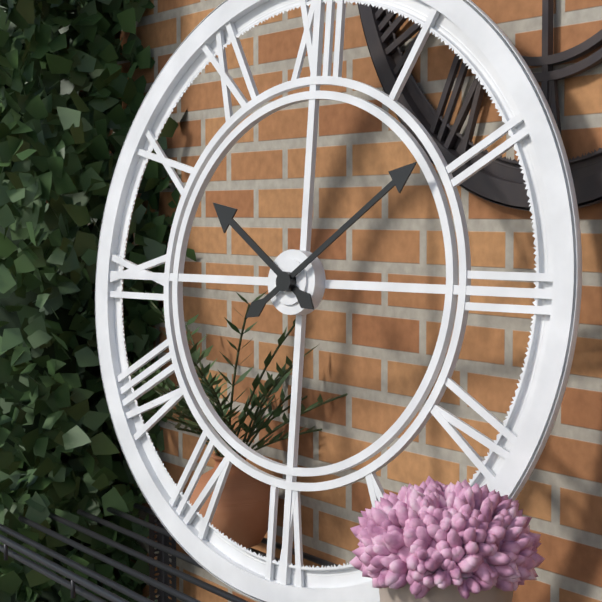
10:09
